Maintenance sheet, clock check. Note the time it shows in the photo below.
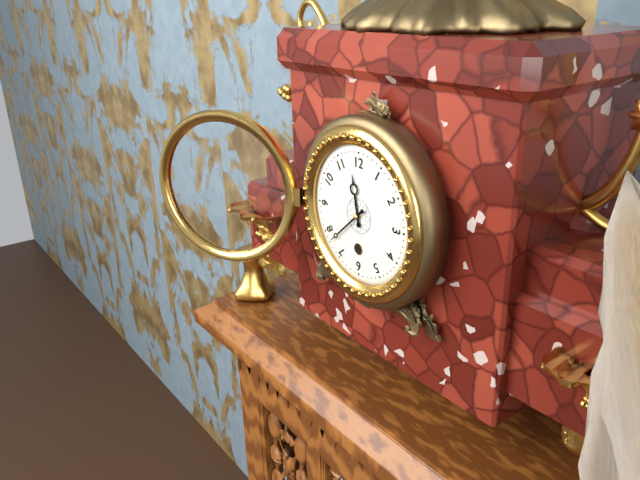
11:38
